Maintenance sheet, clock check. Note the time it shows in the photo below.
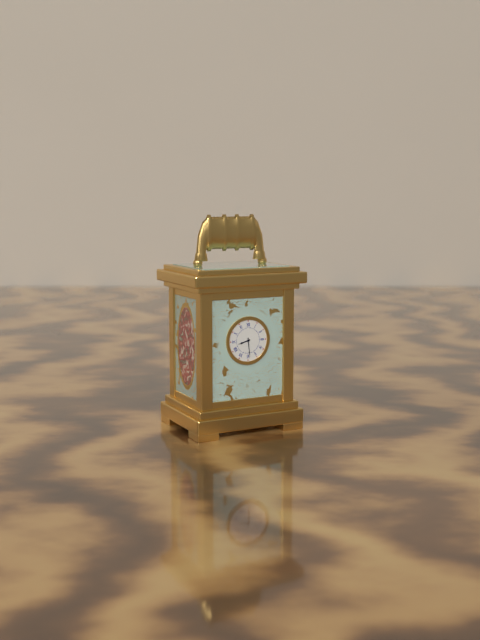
8:29
